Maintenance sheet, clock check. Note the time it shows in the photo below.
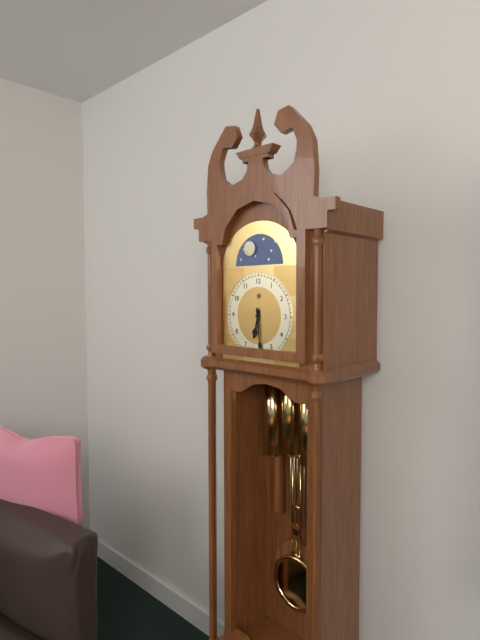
6:29
